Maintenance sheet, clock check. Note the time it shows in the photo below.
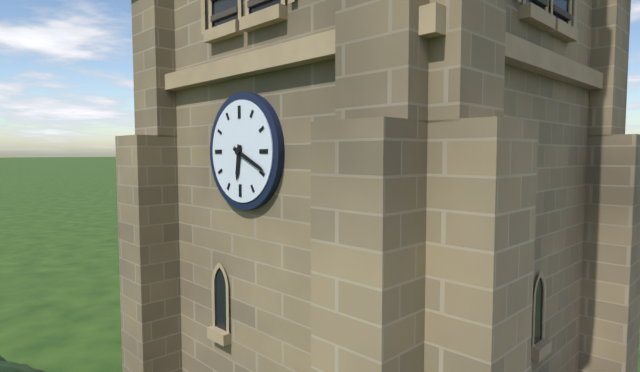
6:19
